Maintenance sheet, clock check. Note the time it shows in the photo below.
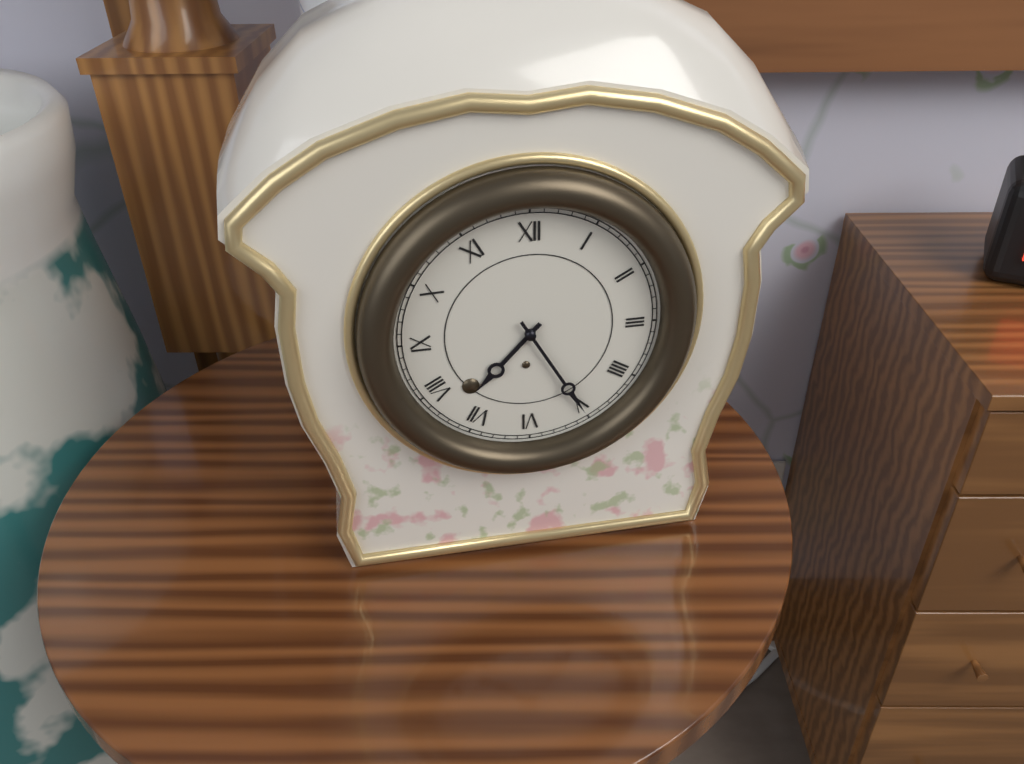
7:25
